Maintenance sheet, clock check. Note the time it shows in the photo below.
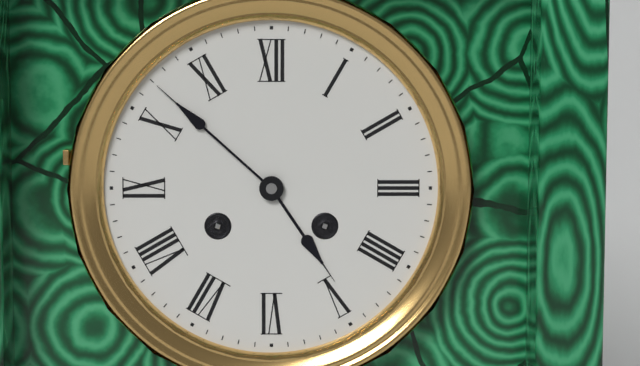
4:52
